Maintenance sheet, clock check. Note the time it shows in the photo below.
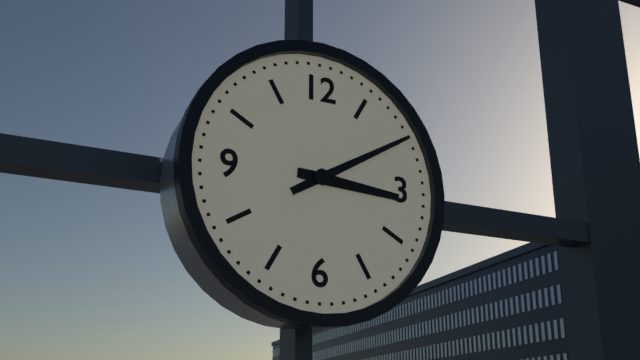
3:10
